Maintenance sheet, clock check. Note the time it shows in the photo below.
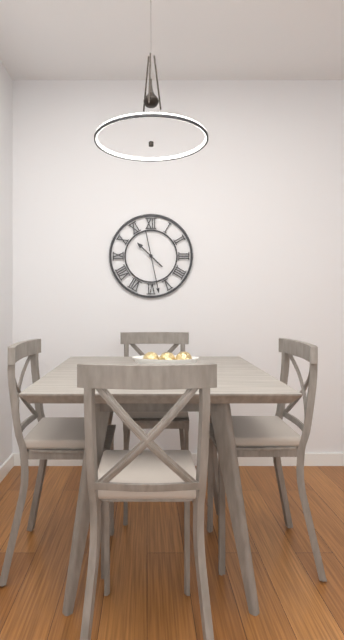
10:28
